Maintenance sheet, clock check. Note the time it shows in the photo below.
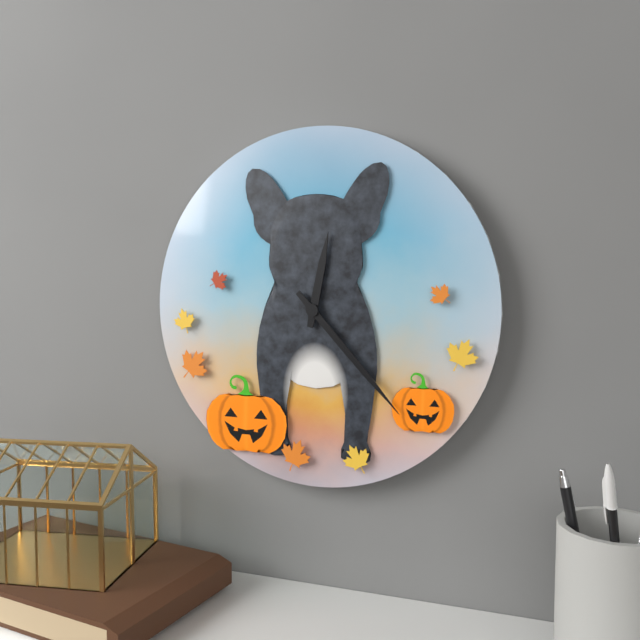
12:23
